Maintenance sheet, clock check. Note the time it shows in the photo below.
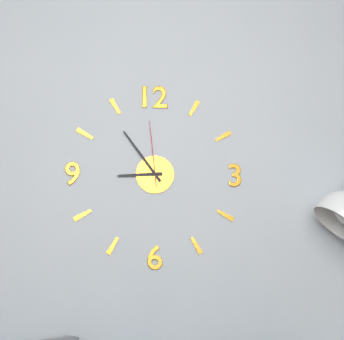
8:54:59
